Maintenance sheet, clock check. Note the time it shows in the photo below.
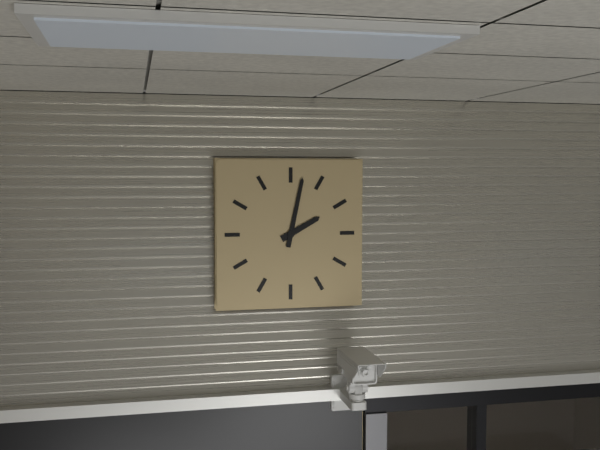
2:02
